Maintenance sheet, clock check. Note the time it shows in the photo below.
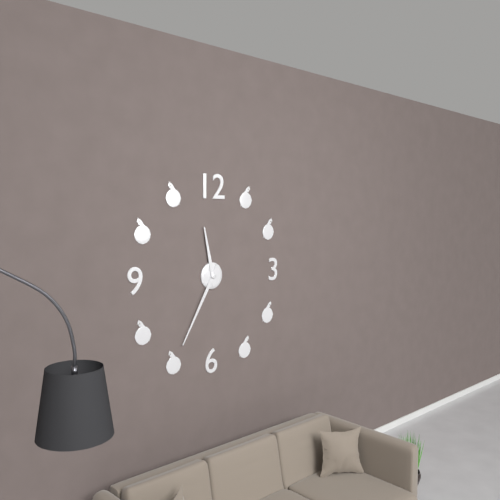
11:35
